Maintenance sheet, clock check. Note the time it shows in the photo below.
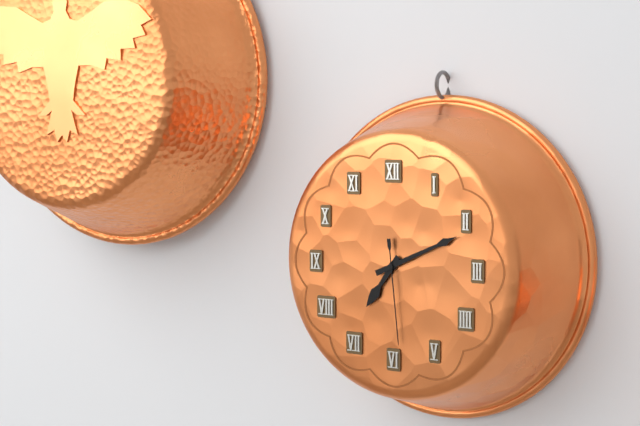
7:11:29
